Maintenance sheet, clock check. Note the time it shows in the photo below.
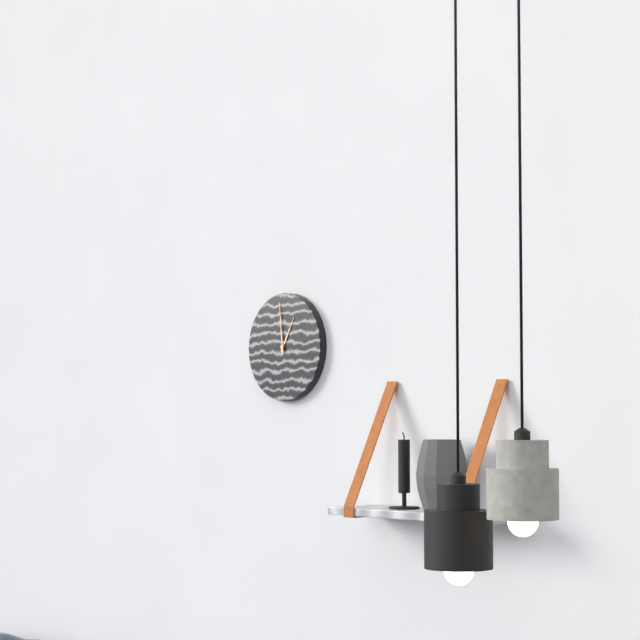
12:59
